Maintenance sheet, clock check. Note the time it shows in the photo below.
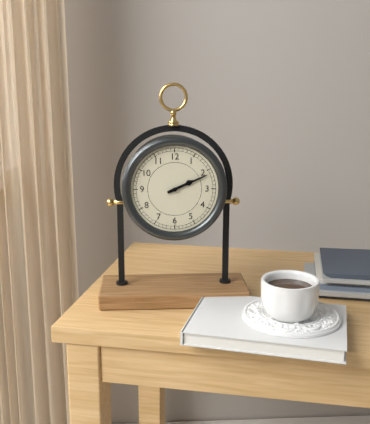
2:11
